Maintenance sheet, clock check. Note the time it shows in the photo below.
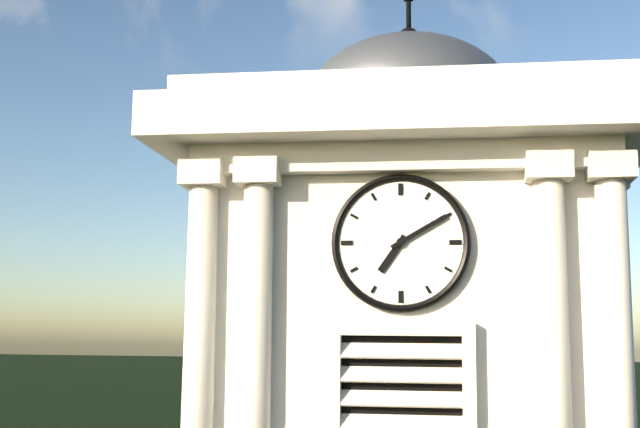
7:10
